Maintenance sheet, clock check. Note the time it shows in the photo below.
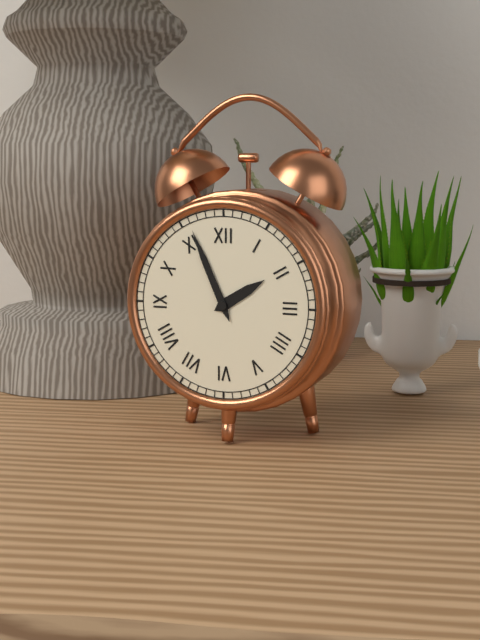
1:56
